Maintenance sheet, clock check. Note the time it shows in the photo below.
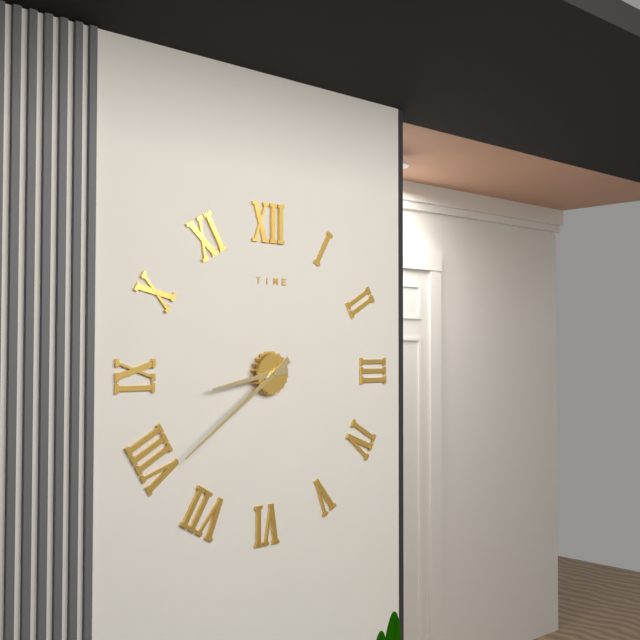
8:39
